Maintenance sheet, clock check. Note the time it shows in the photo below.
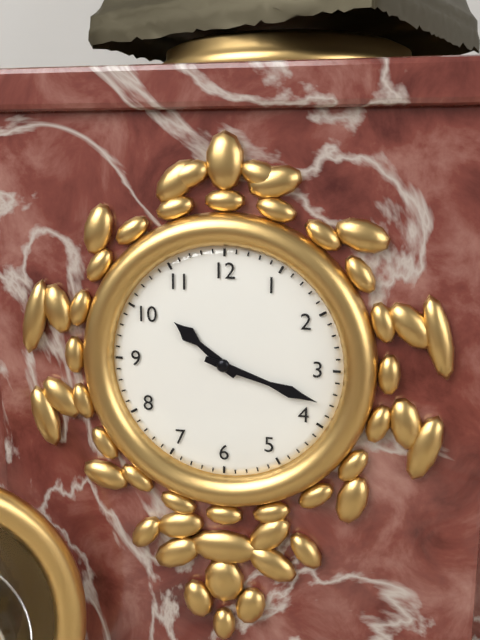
10:18
